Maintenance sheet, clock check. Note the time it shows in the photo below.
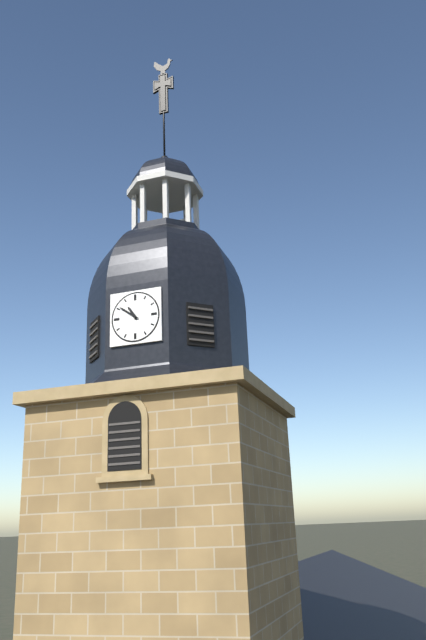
10:51
